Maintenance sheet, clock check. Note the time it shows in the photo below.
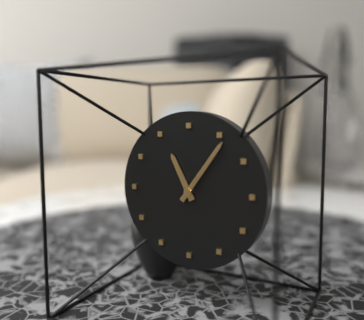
11:06
